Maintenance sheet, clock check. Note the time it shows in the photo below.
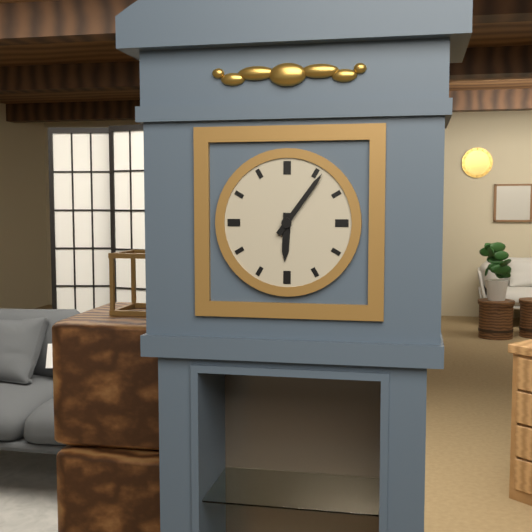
6:06
